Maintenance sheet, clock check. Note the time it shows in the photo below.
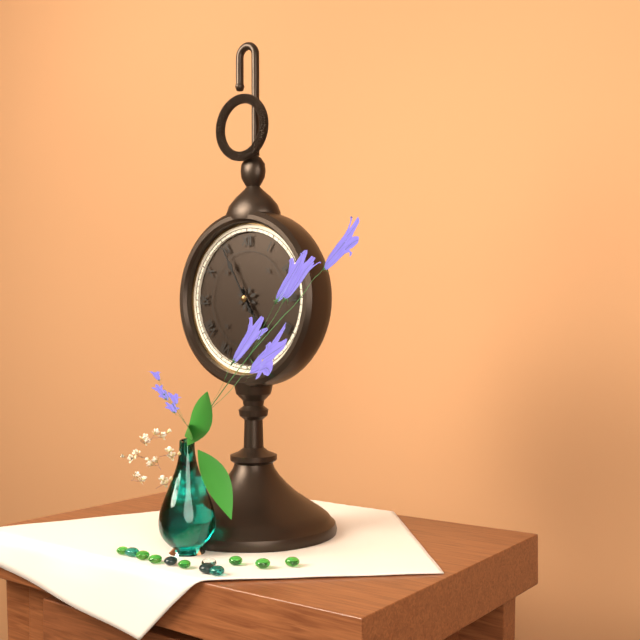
4:55
